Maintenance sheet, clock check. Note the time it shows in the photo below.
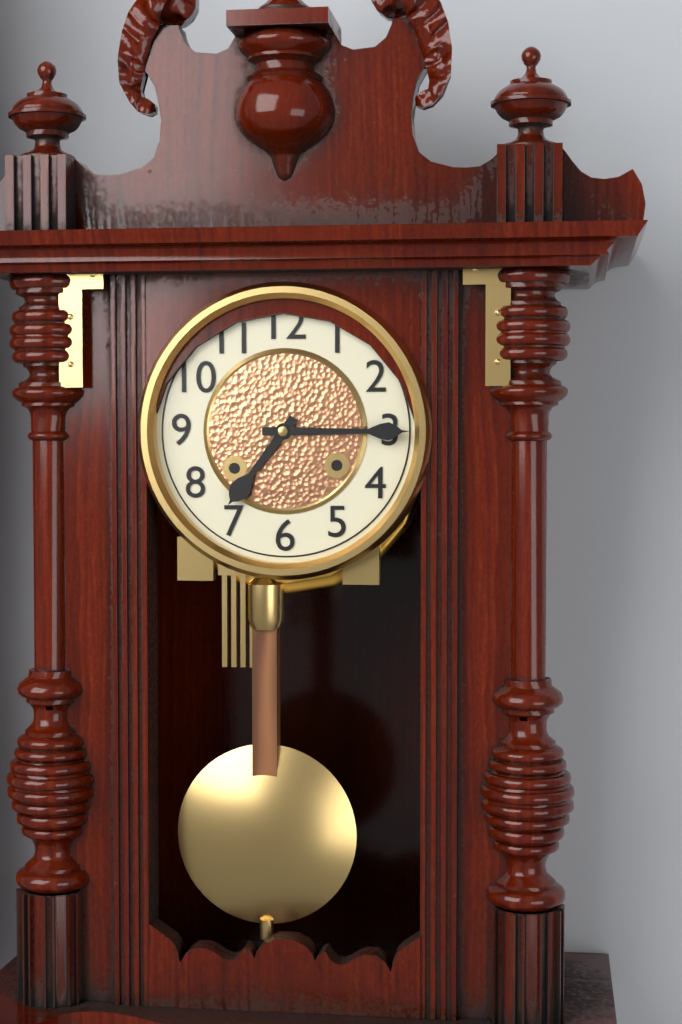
7:15
